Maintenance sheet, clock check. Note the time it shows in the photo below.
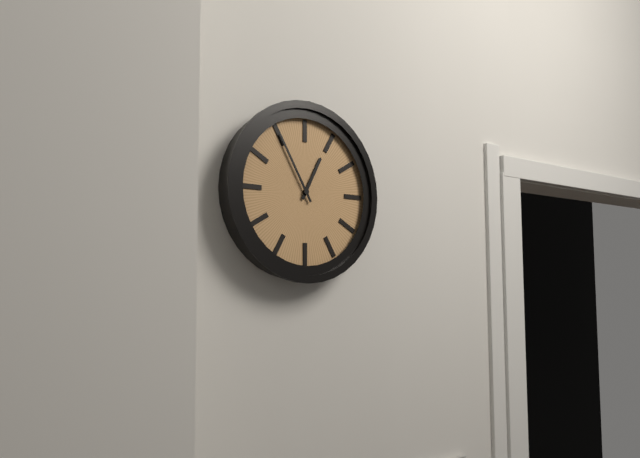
12:55
